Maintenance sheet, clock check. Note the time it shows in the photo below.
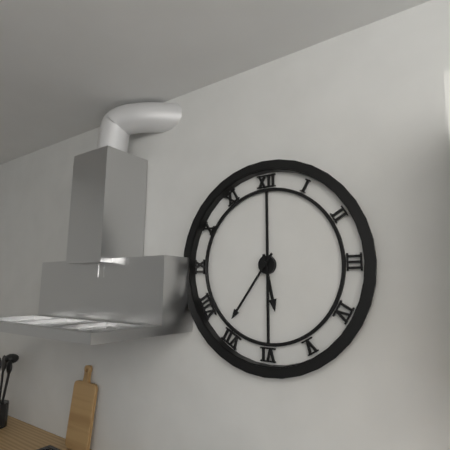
5:36
